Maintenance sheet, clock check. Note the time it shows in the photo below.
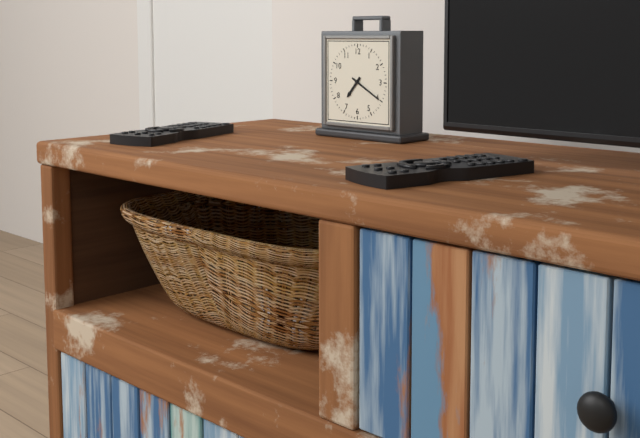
7:20
